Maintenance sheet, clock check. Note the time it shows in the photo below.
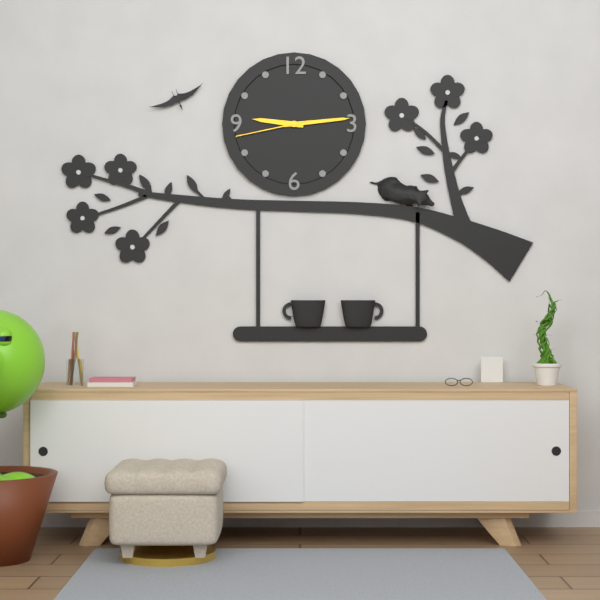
9:14:43
